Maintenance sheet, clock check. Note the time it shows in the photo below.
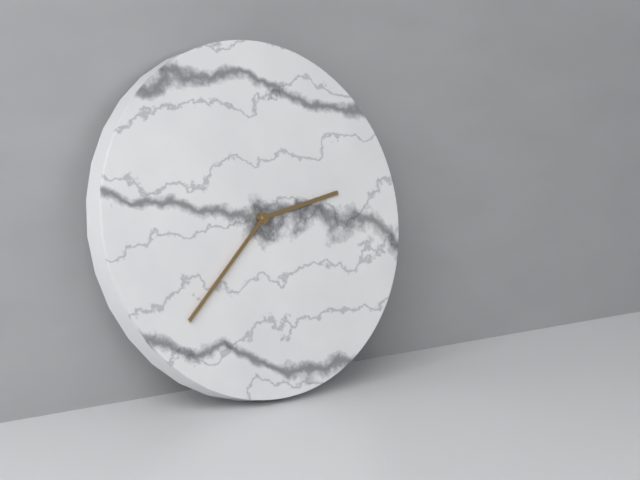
2:38
